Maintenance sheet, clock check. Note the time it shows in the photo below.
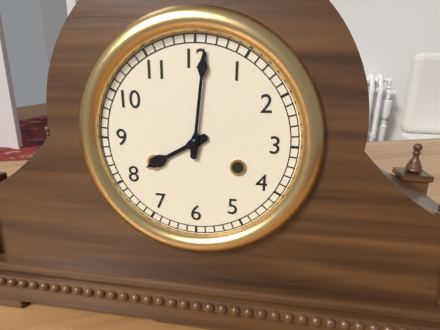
8:01
